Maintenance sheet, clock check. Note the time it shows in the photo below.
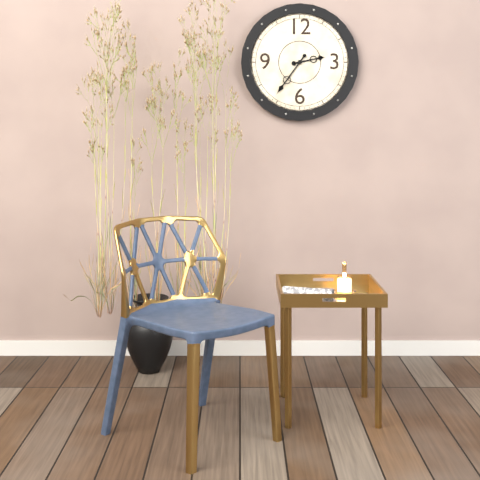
2:36
